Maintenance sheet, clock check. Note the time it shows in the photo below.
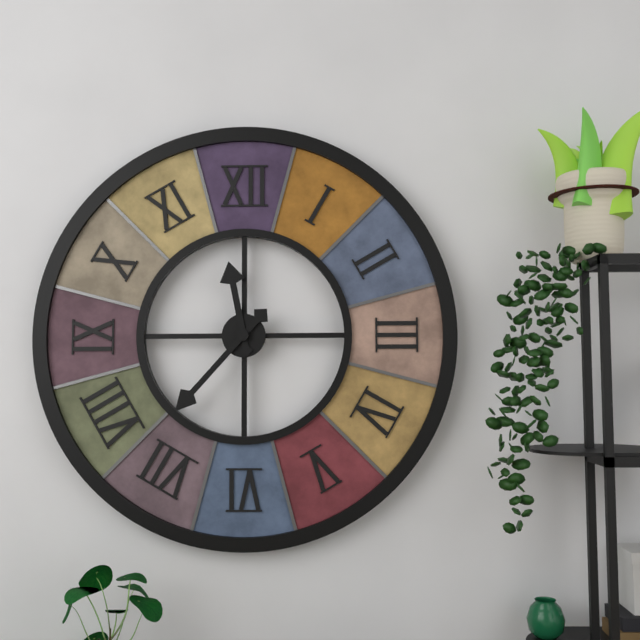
11:37
